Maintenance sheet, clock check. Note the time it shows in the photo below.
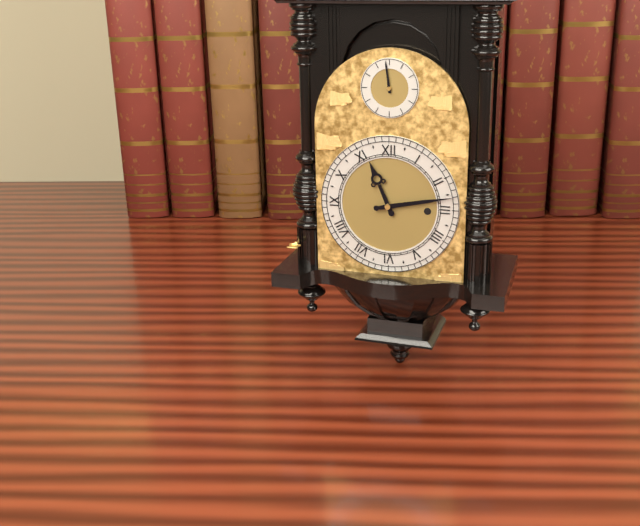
11:13
